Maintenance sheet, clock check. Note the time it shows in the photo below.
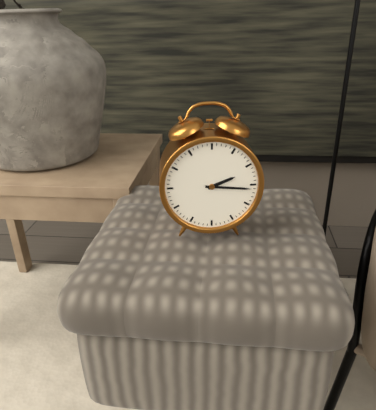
2:16
